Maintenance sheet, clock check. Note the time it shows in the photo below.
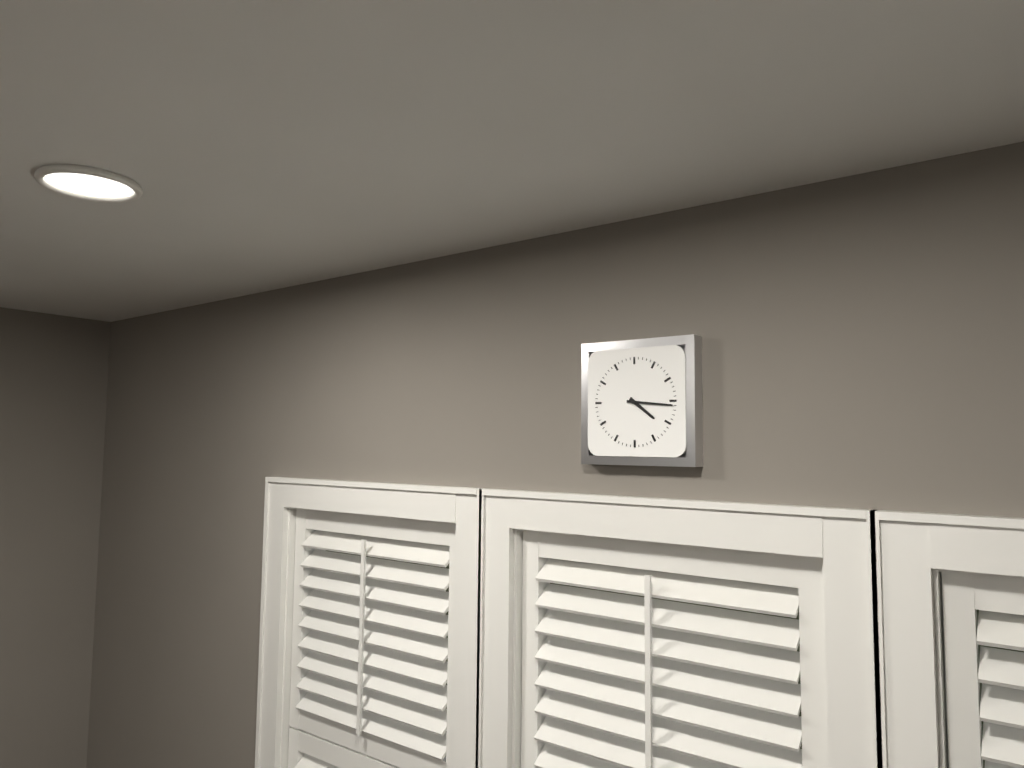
4:16
